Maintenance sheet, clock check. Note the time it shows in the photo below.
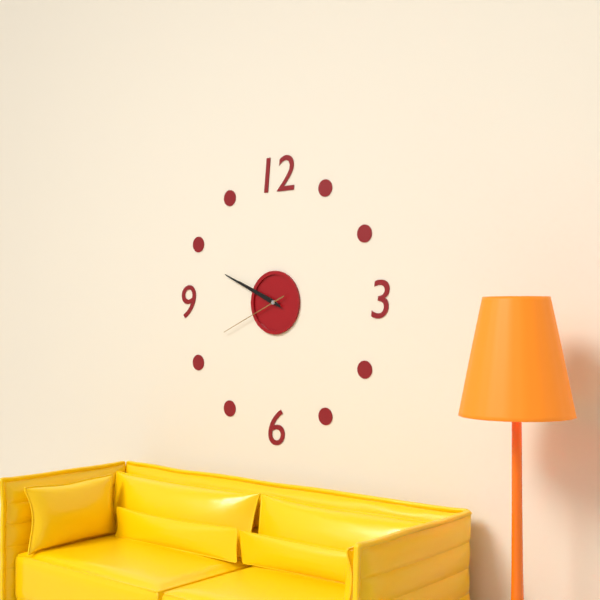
9:49:41
